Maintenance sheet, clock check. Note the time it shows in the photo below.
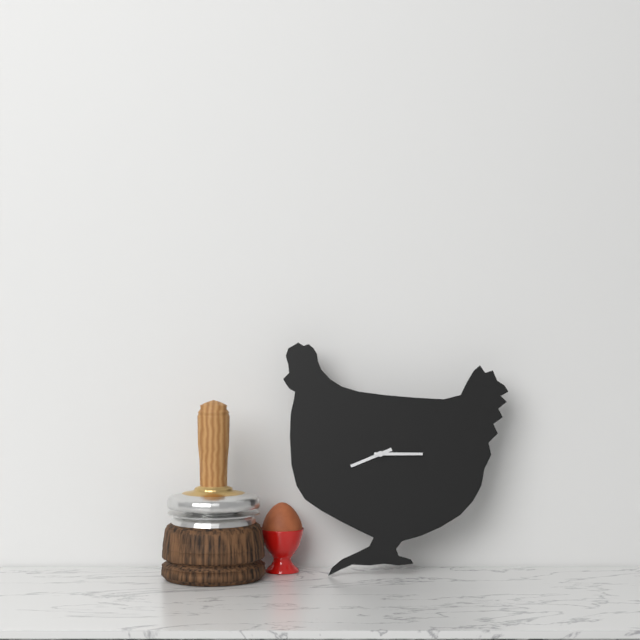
8:15
